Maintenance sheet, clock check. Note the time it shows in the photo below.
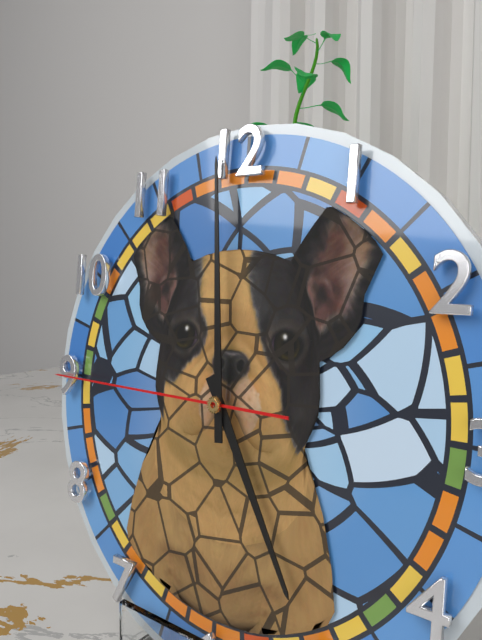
4:59:45
